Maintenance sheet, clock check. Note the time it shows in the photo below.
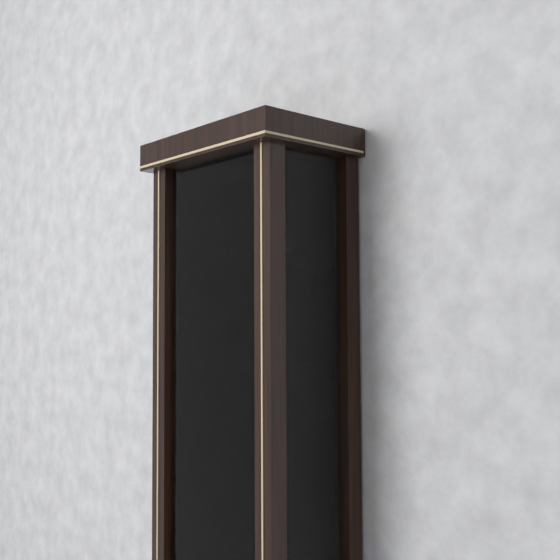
12:28
